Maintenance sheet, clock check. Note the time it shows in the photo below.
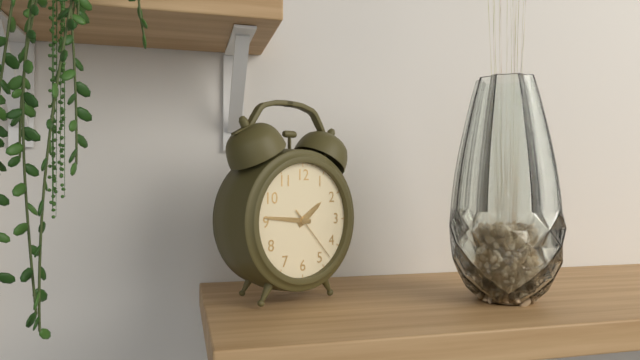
1:46:23
